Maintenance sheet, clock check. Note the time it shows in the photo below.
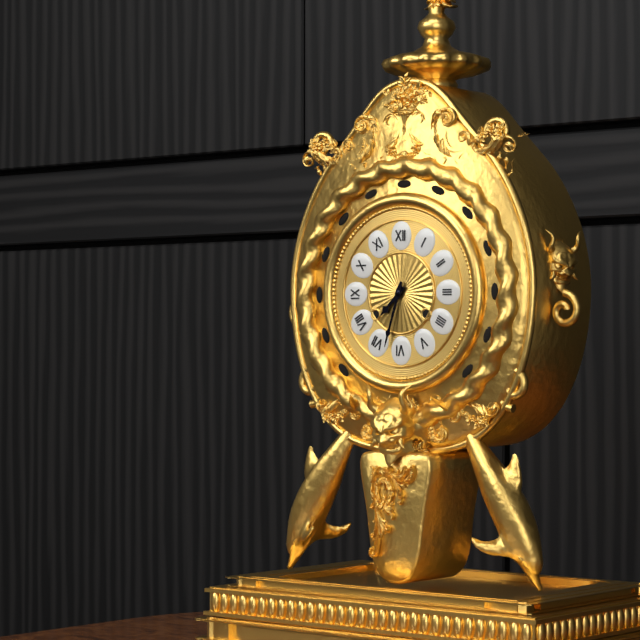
7:33
